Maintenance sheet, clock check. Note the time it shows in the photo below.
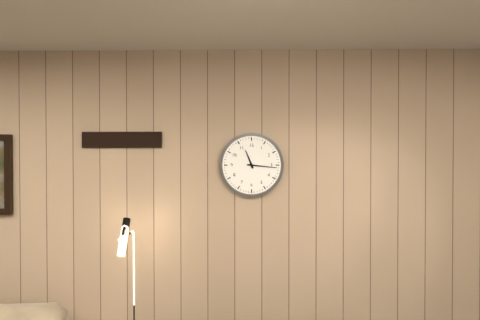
11:16
